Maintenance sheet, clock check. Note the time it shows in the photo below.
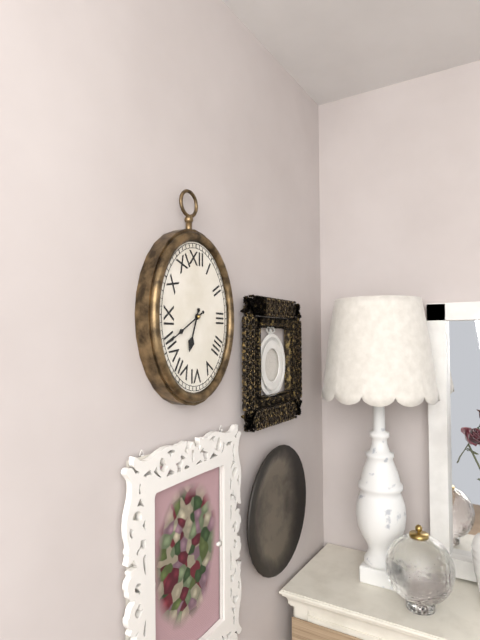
6:40
